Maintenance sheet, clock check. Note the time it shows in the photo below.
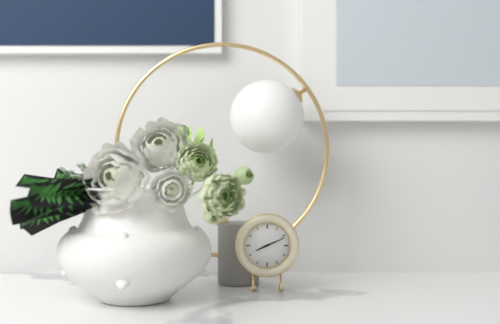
8:11
